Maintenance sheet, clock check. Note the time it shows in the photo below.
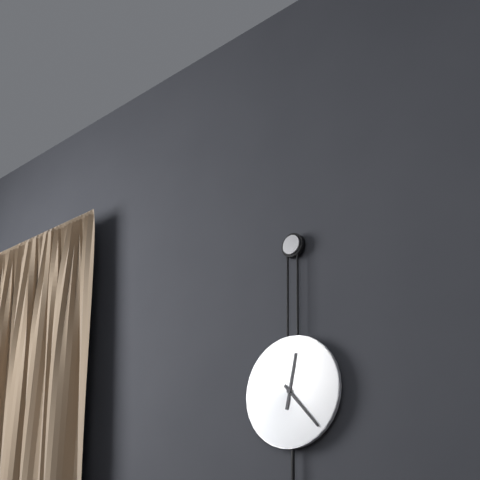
12:23
